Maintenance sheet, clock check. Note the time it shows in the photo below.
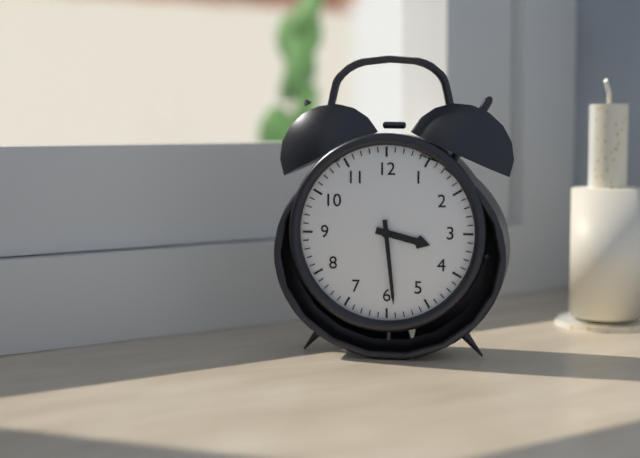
3:29
